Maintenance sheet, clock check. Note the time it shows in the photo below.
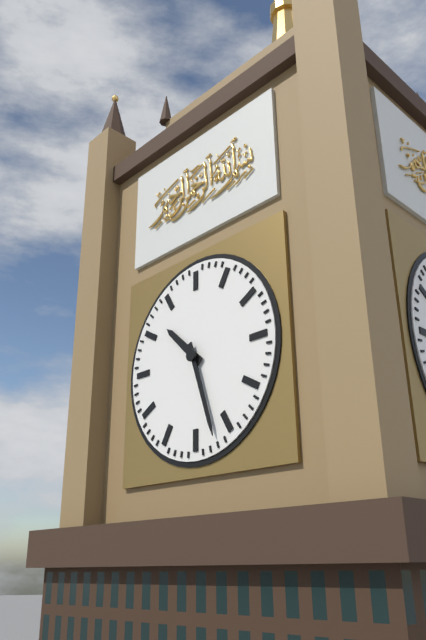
10:27
